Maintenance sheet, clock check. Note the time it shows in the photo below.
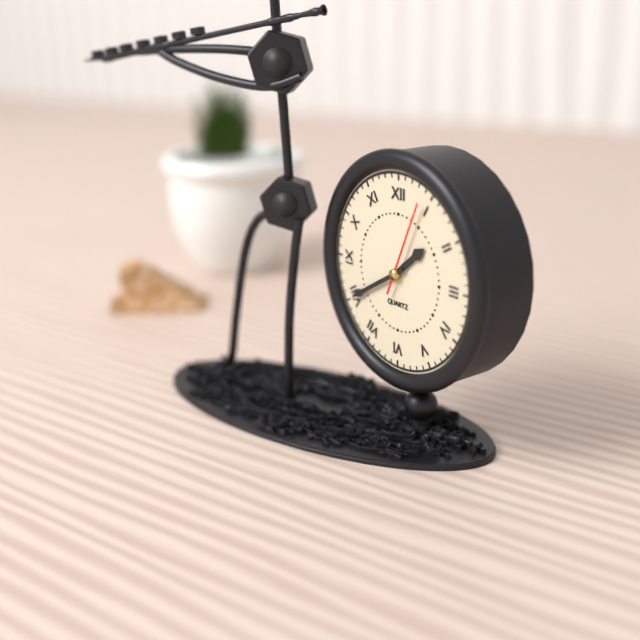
1:40:04
